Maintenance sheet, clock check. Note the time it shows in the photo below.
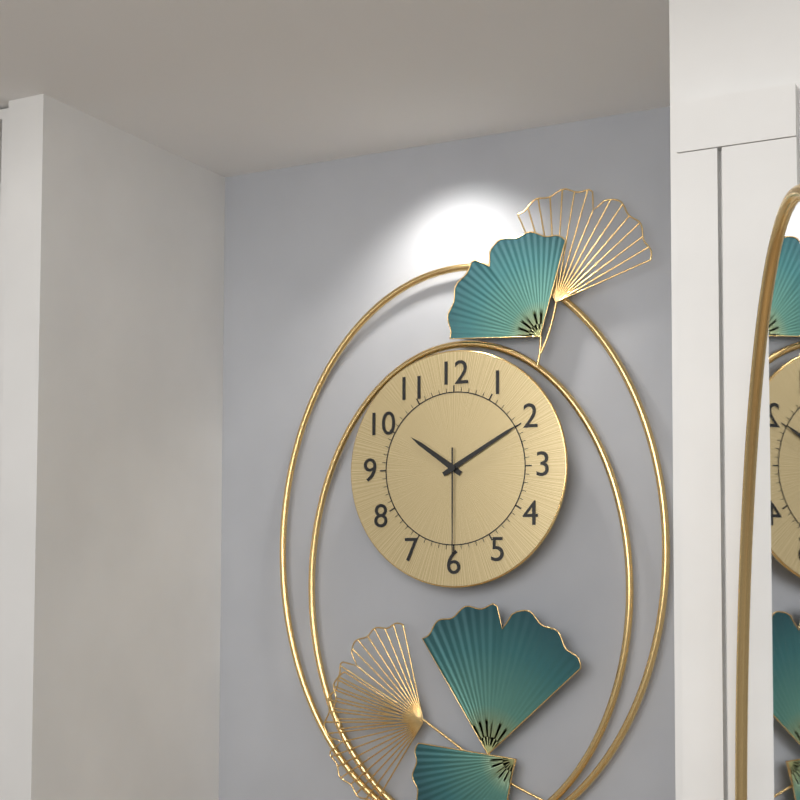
10:10:30
